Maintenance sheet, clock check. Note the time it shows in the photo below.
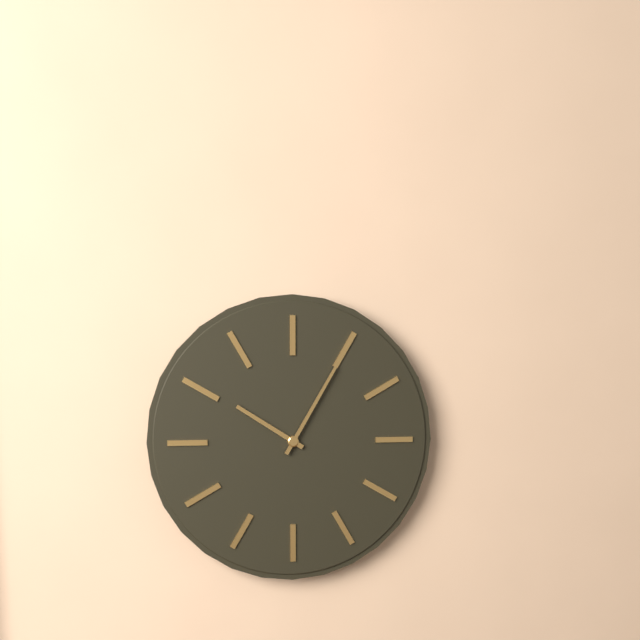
10:05
